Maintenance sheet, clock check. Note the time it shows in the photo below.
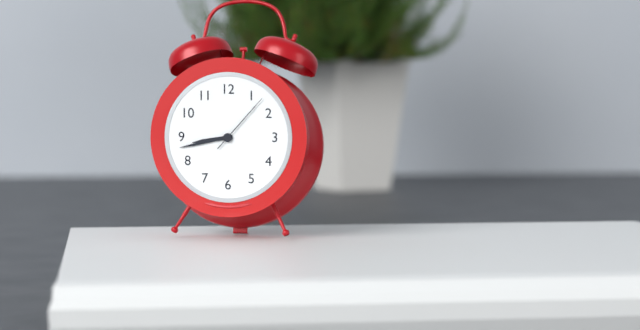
8:43:07
